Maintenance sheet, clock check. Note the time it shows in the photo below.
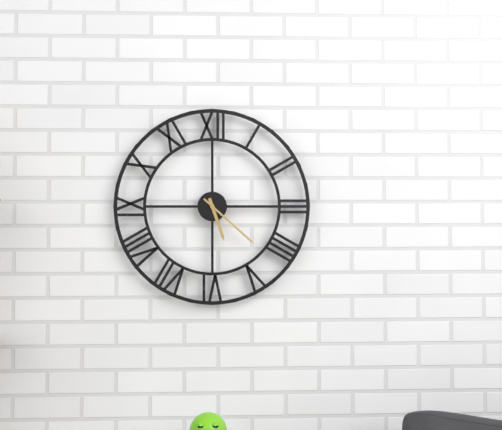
5:22
